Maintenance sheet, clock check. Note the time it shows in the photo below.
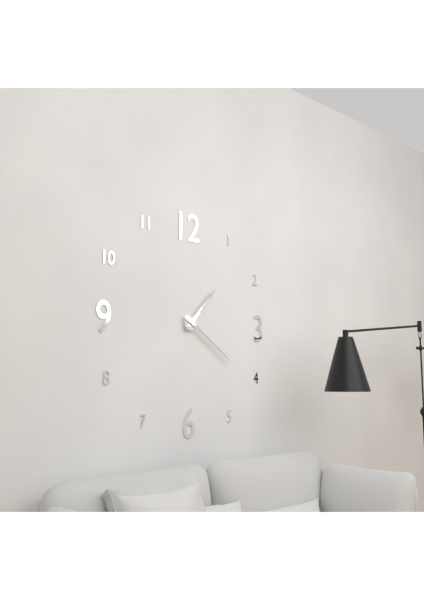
1:21
